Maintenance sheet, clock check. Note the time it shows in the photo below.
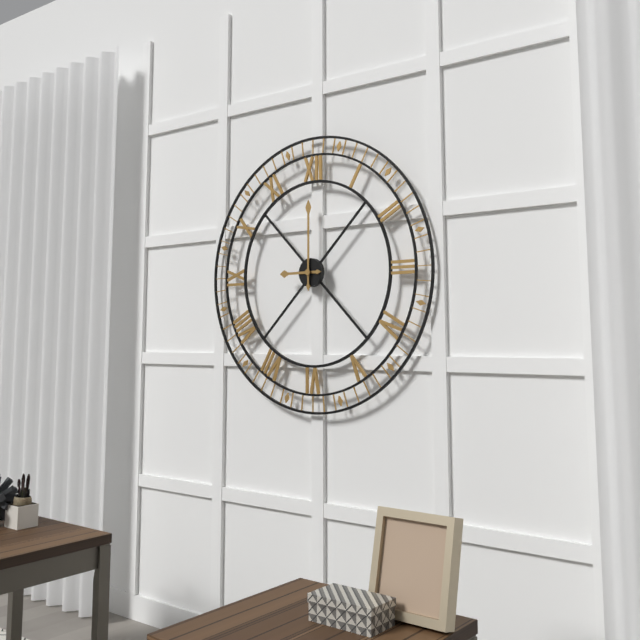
9:00
